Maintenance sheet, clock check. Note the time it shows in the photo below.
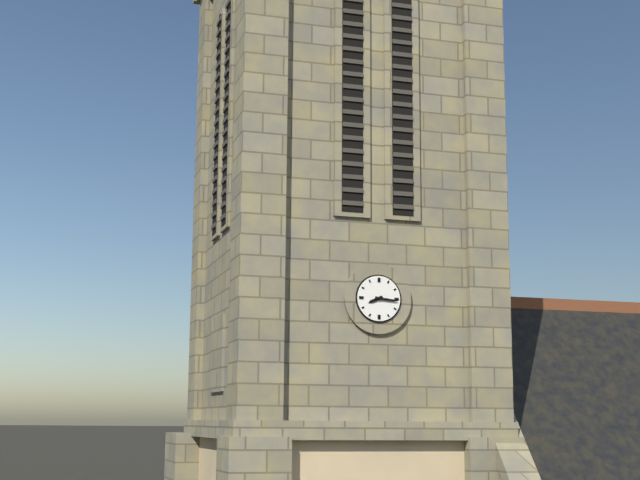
8:16
